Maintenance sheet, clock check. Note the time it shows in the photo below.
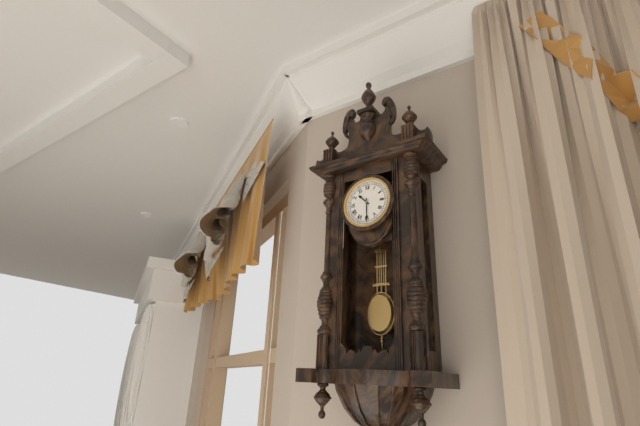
10:30
